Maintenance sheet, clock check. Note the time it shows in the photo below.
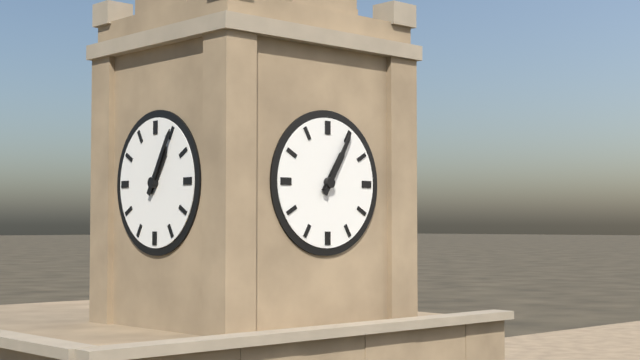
1:05
